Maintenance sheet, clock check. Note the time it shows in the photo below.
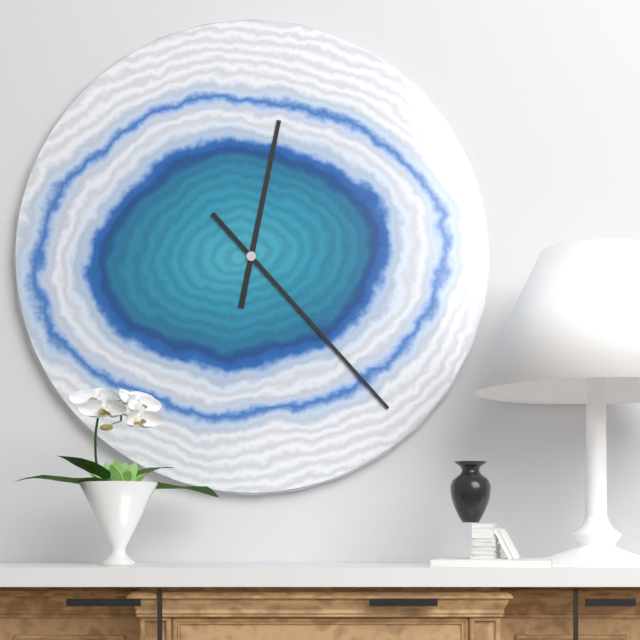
12:23
